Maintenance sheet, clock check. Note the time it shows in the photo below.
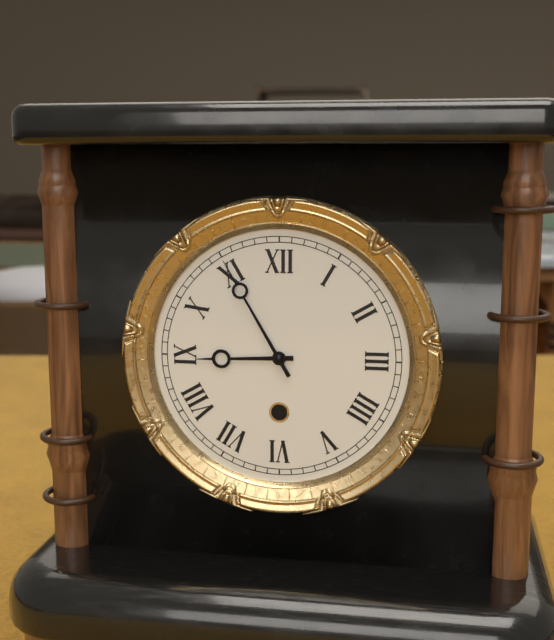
8:55
